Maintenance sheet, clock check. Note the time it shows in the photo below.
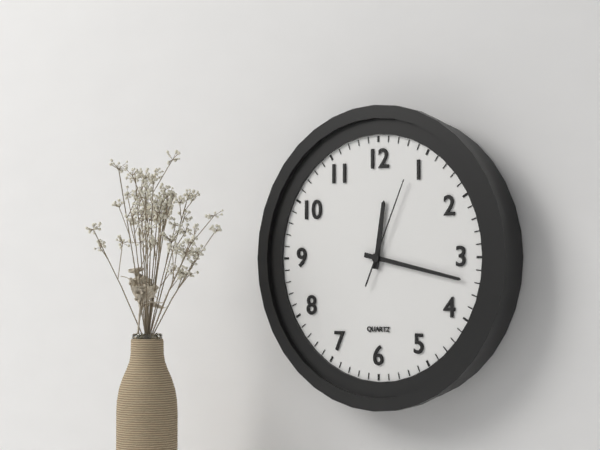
12:17:04
